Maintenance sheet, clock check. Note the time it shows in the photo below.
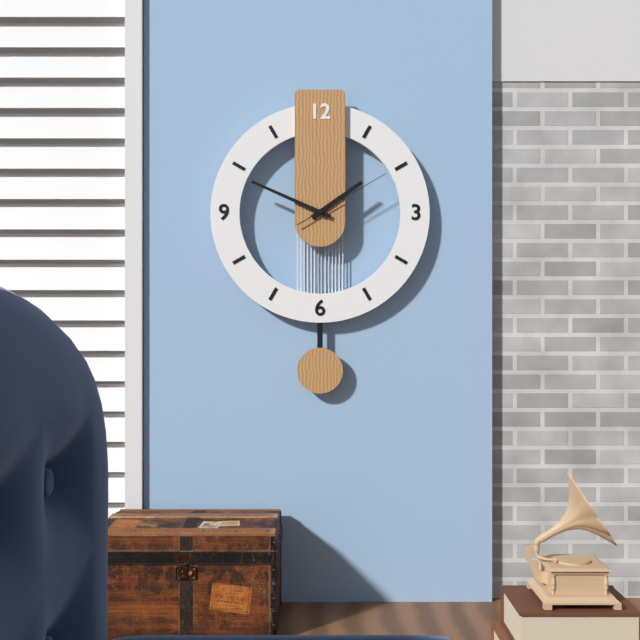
1:49:10
